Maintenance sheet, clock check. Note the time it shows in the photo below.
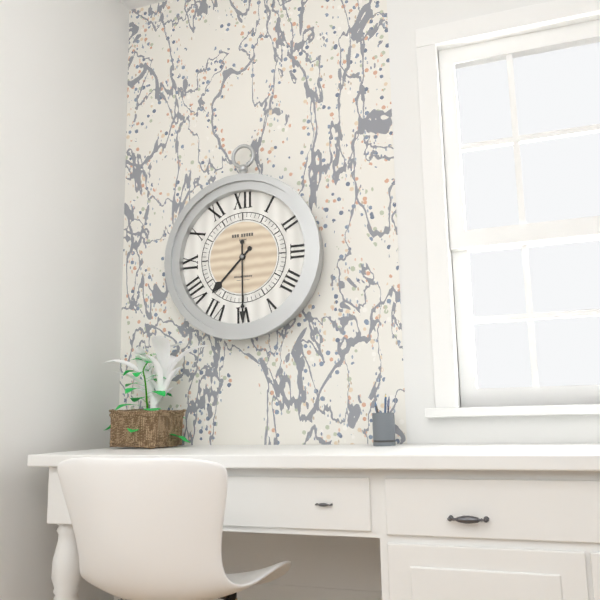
7:30
